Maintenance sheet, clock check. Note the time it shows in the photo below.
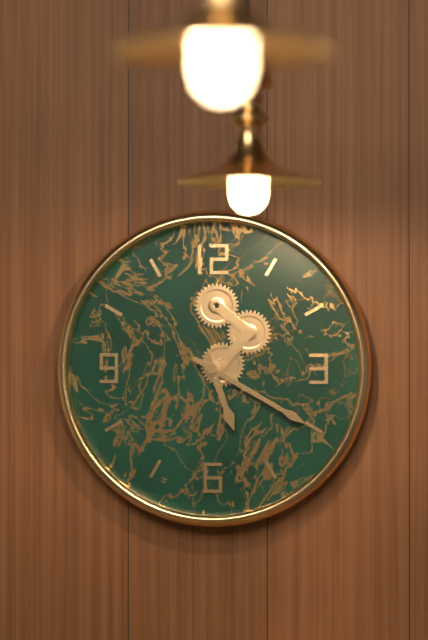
5:20
